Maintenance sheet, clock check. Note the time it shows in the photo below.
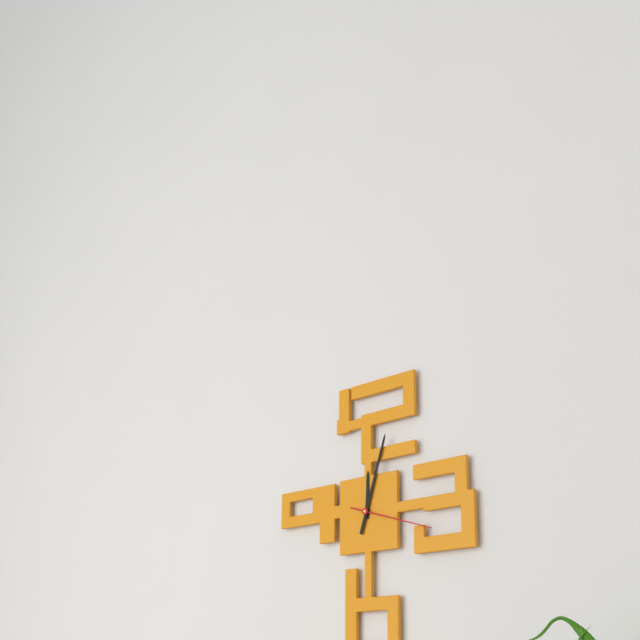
12:03:18
